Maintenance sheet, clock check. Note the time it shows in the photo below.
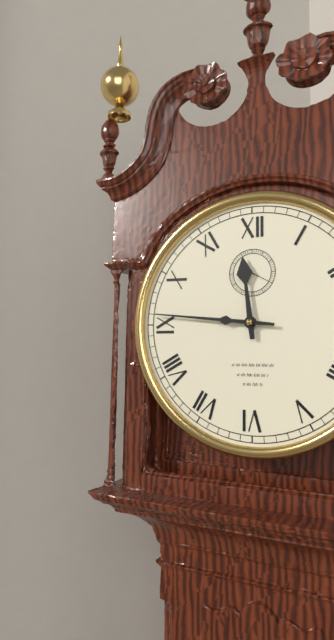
11:46
